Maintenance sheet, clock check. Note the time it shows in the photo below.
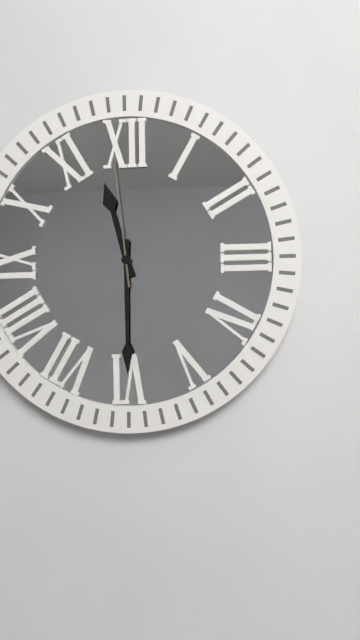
11:30:59
